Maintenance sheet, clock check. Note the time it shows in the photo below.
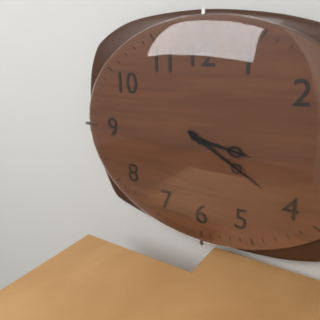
3:20
